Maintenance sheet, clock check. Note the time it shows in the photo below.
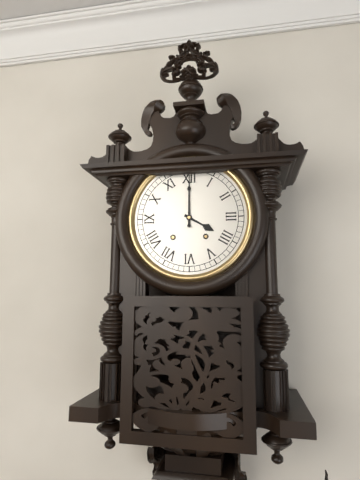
4:00
